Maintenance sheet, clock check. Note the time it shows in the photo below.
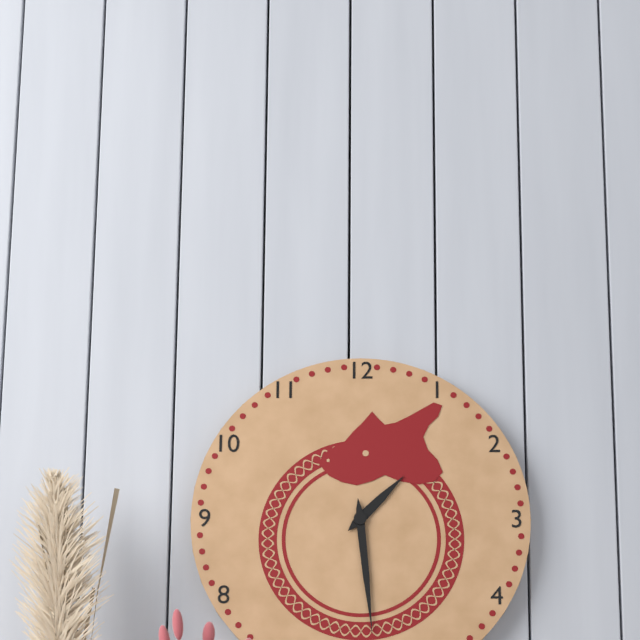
1:29
